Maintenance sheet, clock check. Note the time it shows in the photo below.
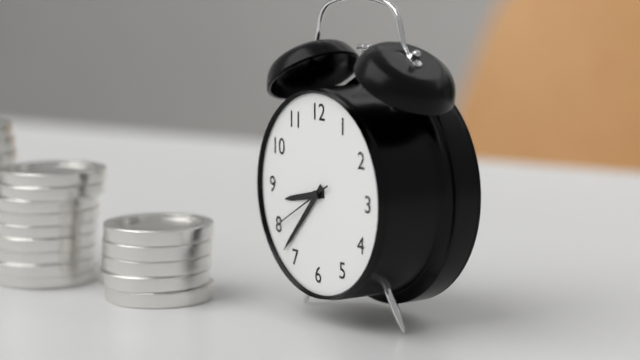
8:37:40
